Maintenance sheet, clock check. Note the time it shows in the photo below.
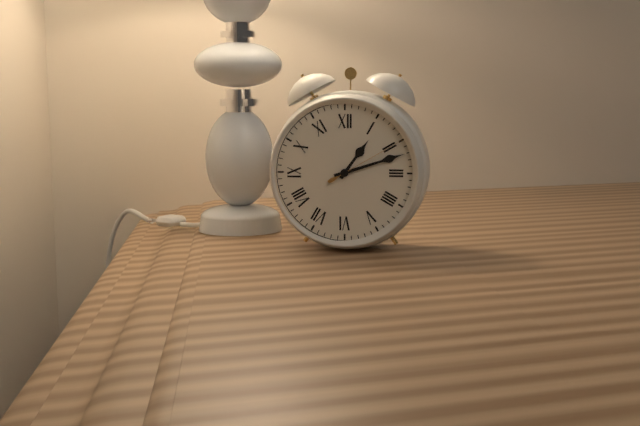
1:12:10
